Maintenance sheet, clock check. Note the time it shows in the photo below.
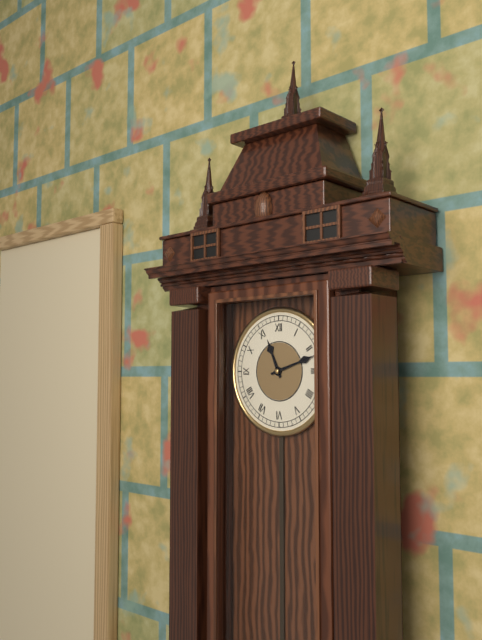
11:12
